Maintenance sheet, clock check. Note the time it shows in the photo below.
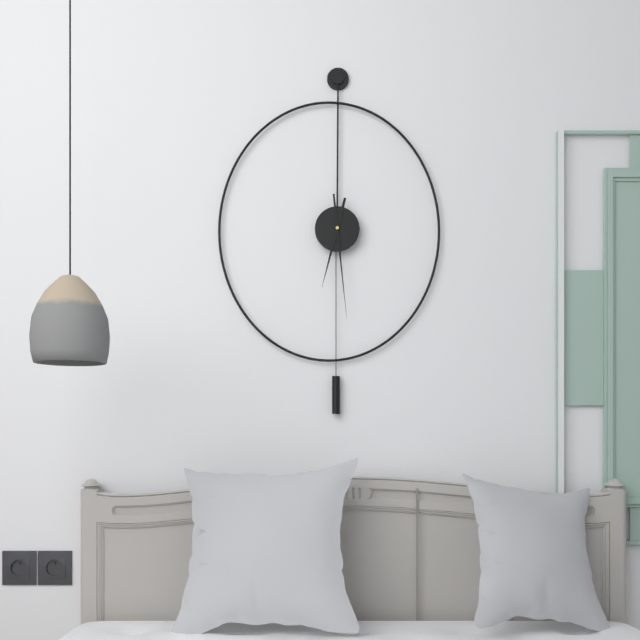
6:29
